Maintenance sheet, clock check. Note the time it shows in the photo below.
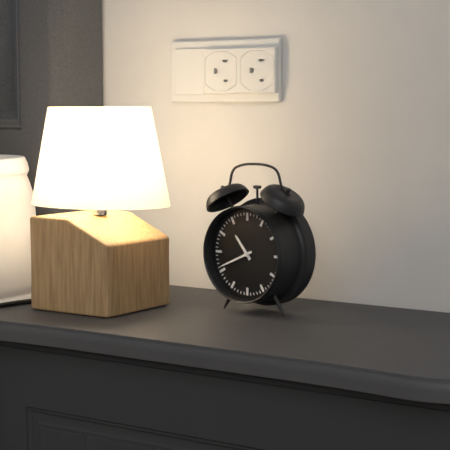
10:41
